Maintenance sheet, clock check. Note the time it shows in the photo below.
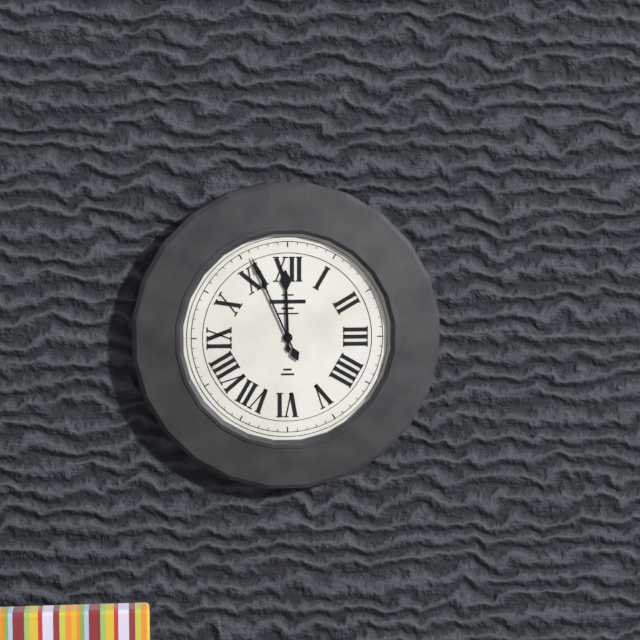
11:56
